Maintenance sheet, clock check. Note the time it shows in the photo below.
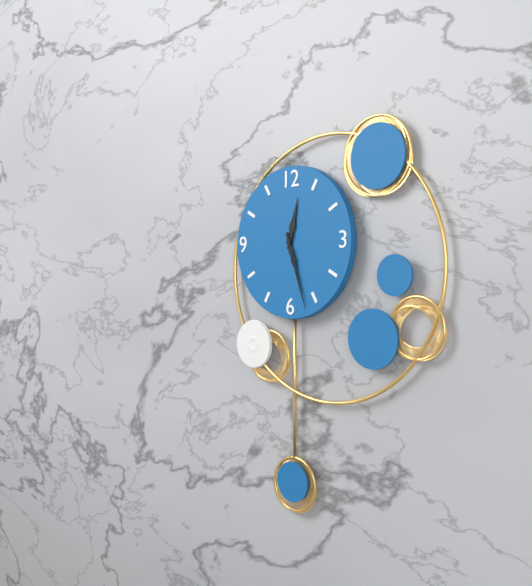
12:27
